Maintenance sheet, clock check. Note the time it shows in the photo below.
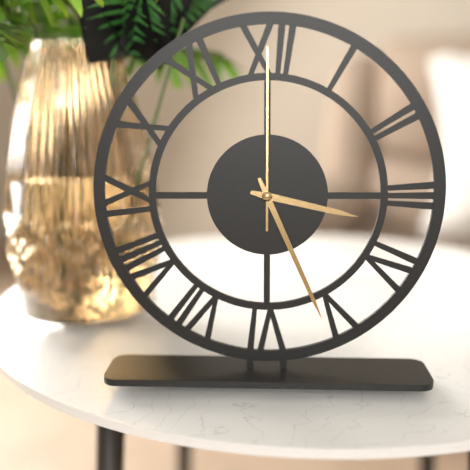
3:26:00
